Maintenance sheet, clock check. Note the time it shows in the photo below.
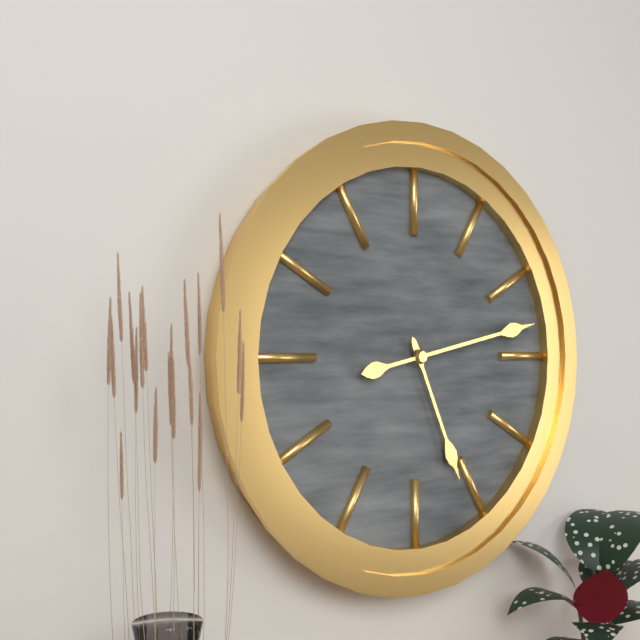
5:13
